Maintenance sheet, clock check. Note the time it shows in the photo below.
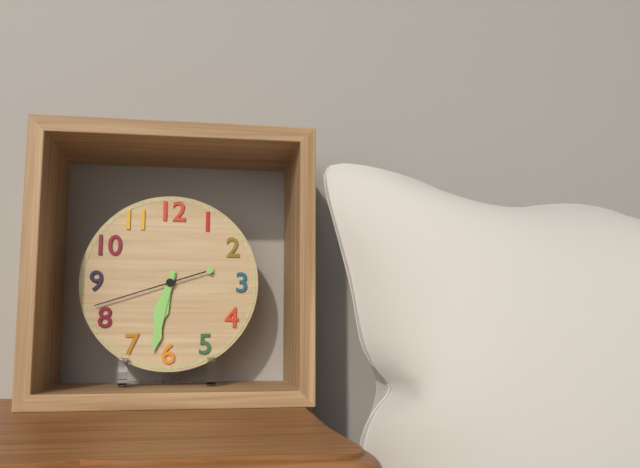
6:32:42
